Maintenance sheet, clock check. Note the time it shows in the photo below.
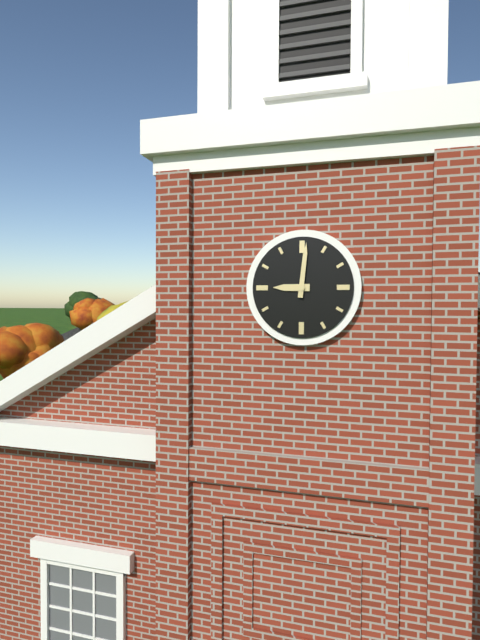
9:01
